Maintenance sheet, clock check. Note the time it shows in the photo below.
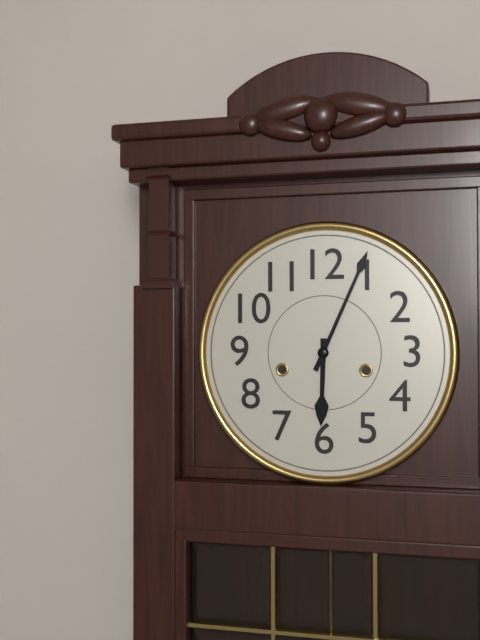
6:04
